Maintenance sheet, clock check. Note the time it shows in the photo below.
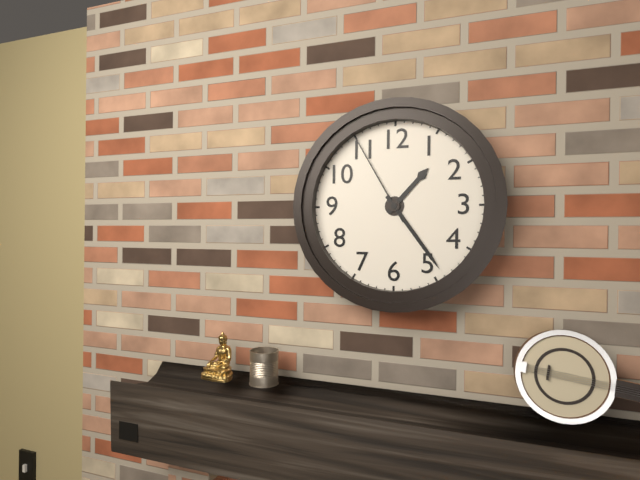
1:24:55
